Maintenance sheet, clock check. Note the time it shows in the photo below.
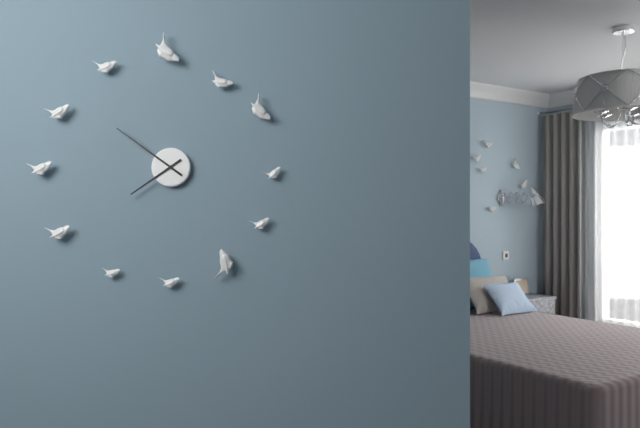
7:51
